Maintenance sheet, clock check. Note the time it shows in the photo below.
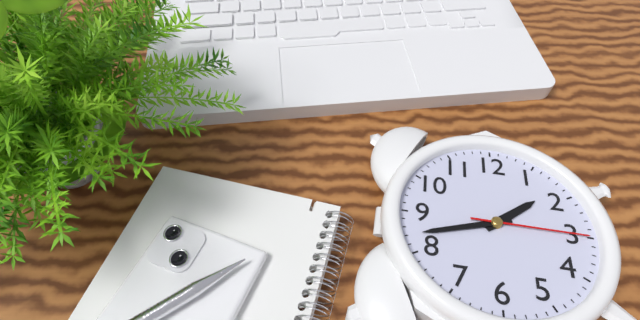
1:42:15
